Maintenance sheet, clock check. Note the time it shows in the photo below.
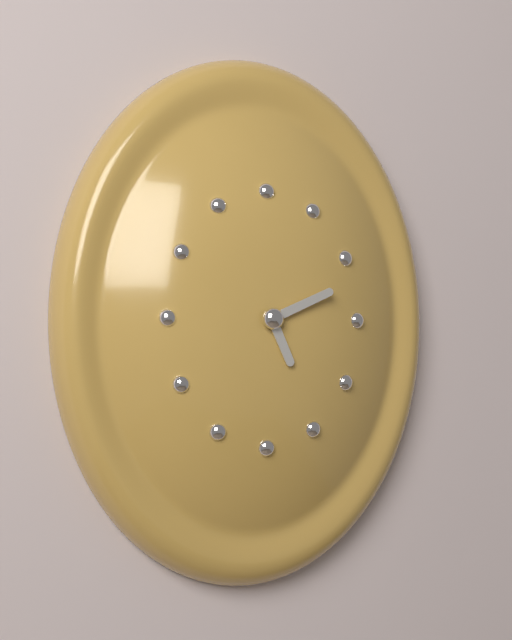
5:11
